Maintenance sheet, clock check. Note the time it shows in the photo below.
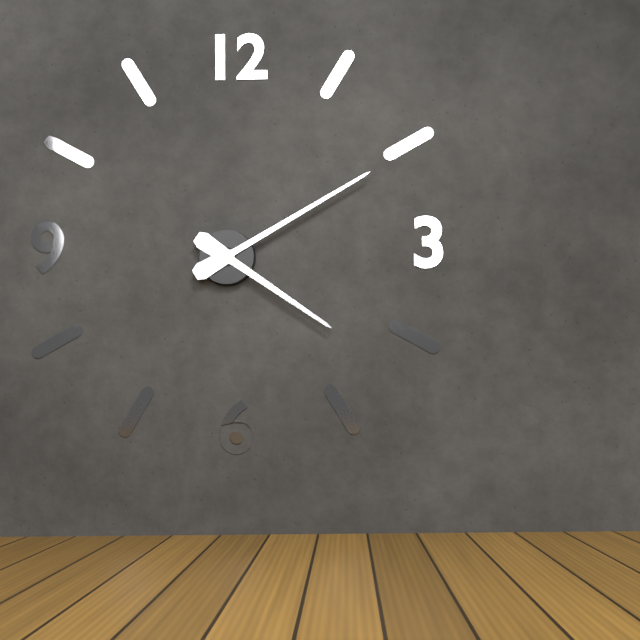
4:10
